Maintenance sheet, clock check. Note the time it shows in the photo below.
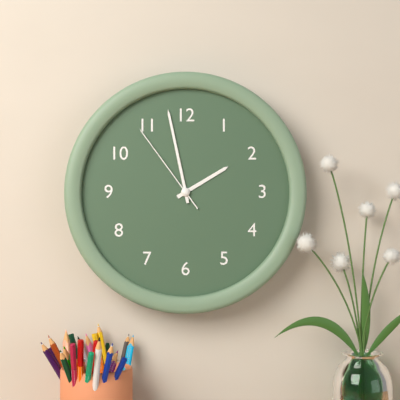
1:58:54
